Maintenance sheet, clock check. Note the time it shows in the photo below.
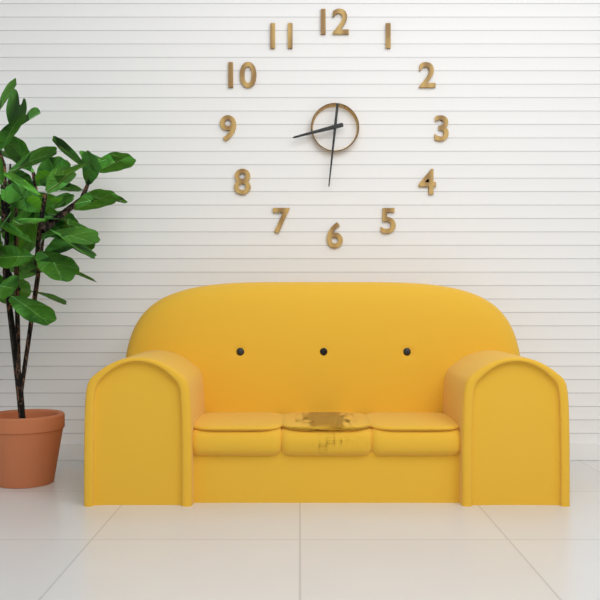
8:31
